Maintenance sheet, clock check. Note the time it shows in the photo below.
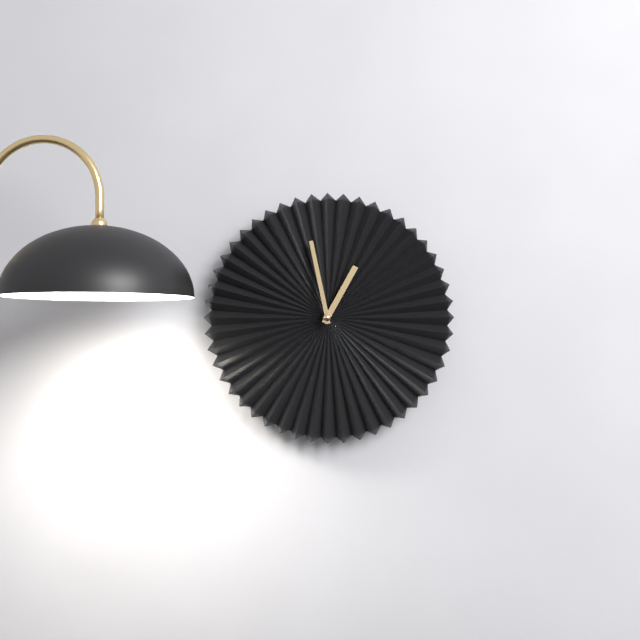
12:58
